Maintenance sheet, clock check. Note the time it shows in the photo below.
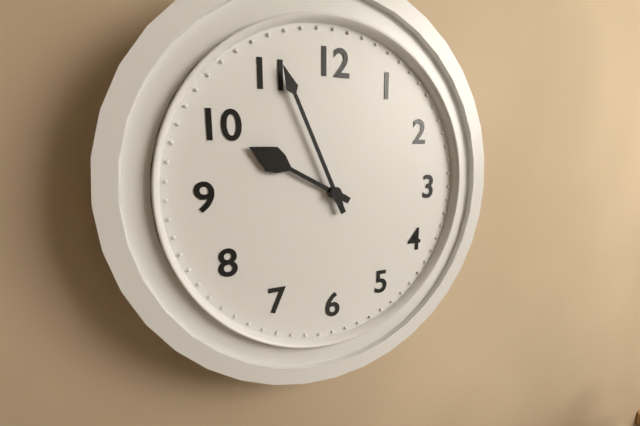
9:56
